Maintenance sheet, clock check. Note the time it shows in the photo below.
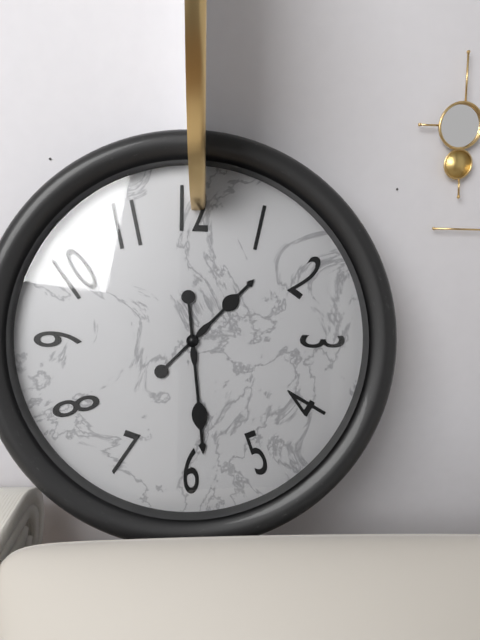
1:29
